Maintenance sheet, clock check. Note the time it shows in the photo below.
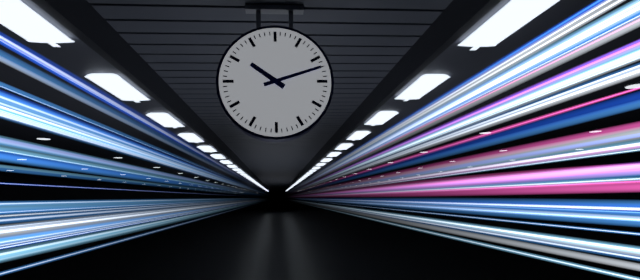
10:12
